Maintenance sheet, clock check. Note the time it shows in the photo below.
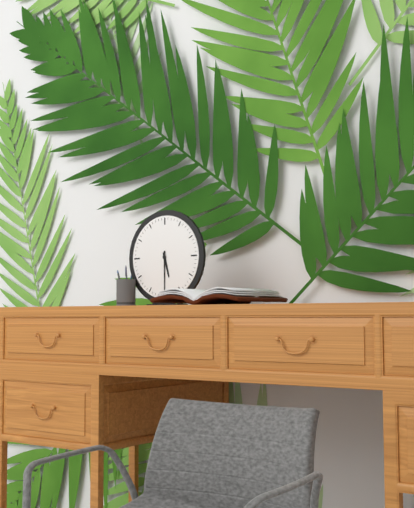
5:30
